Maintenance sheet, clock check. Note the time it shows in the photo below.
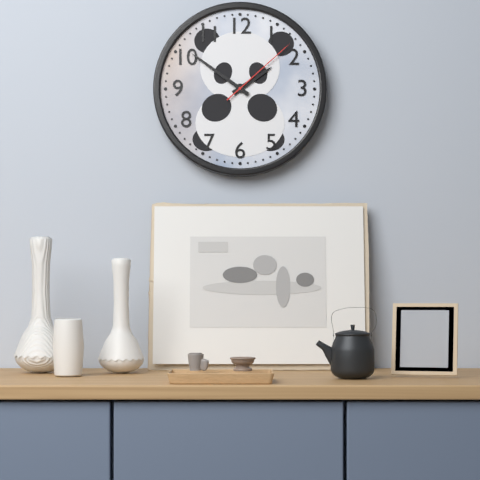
1:51:08
